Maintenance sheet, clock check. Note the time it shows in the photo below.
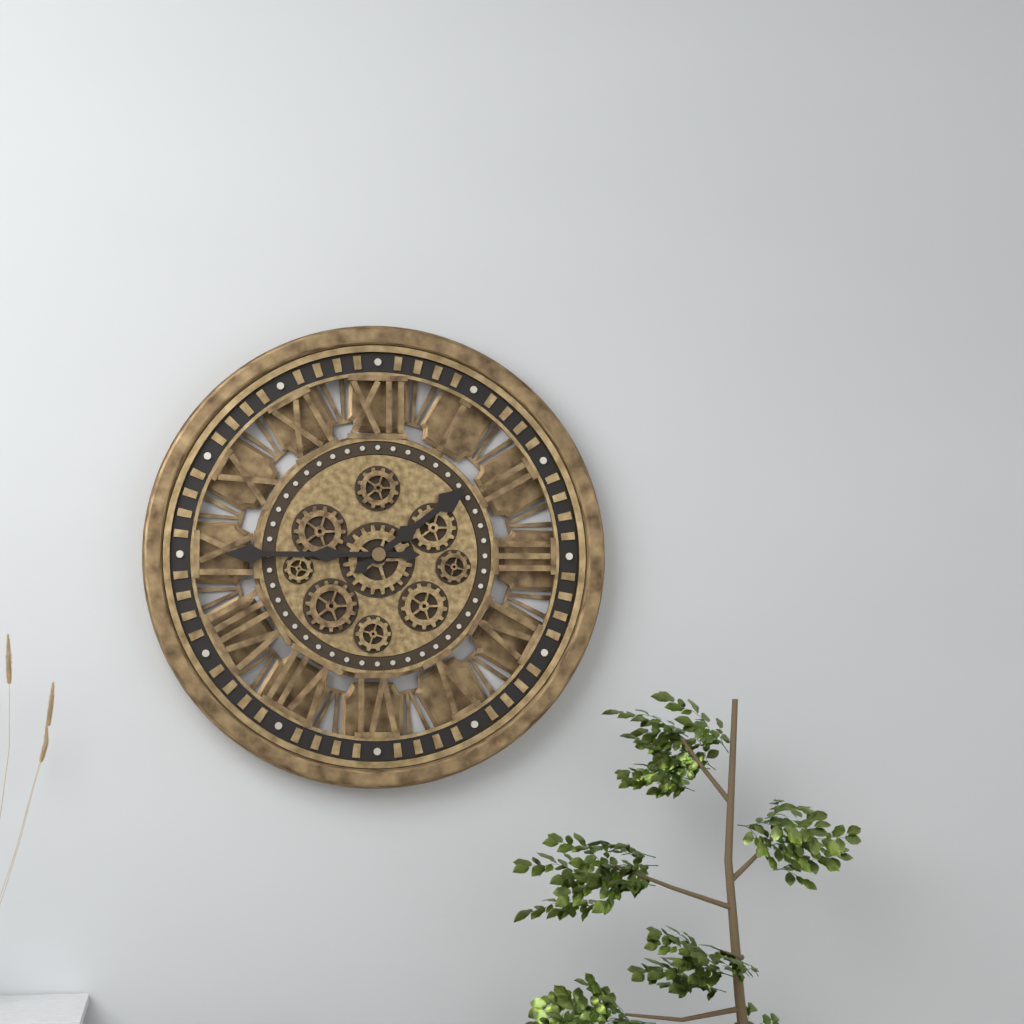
1:45
